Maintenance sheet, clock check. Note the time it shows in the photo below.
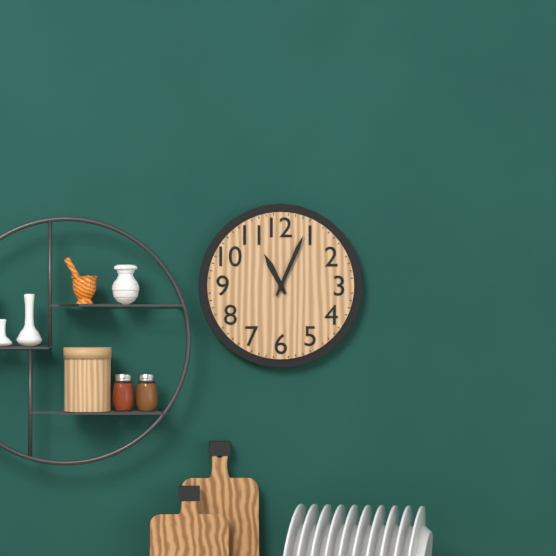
11:04
